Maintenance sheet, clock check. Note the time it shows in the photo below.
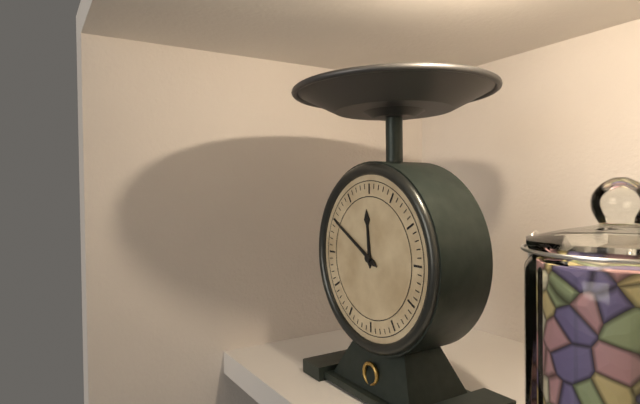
11:50
